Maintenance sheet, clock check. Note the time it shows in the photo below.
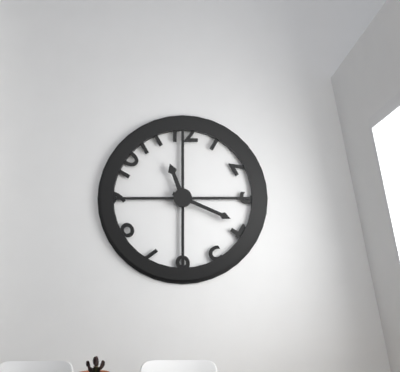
11:19
